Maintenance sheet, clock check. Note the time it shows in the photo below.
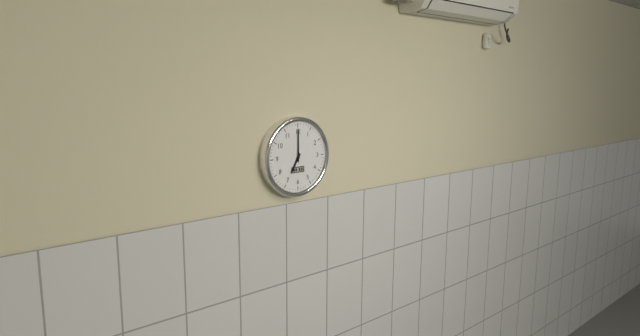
7:00
